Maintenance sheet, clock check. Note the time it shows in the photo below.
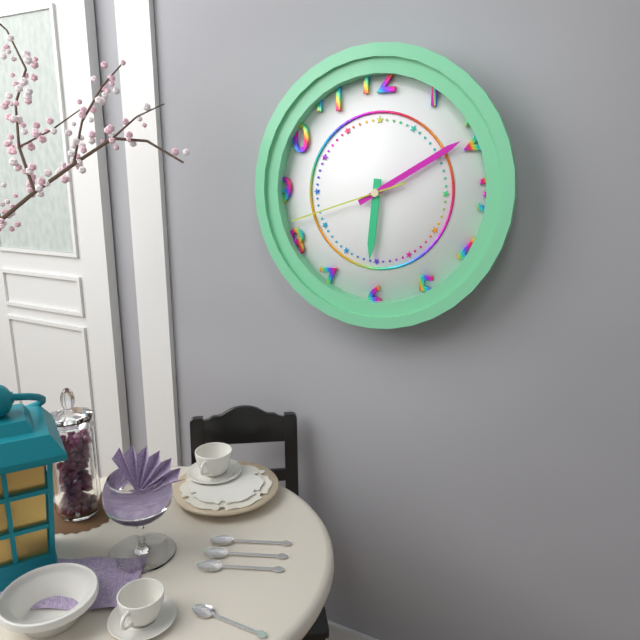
6:10:42
